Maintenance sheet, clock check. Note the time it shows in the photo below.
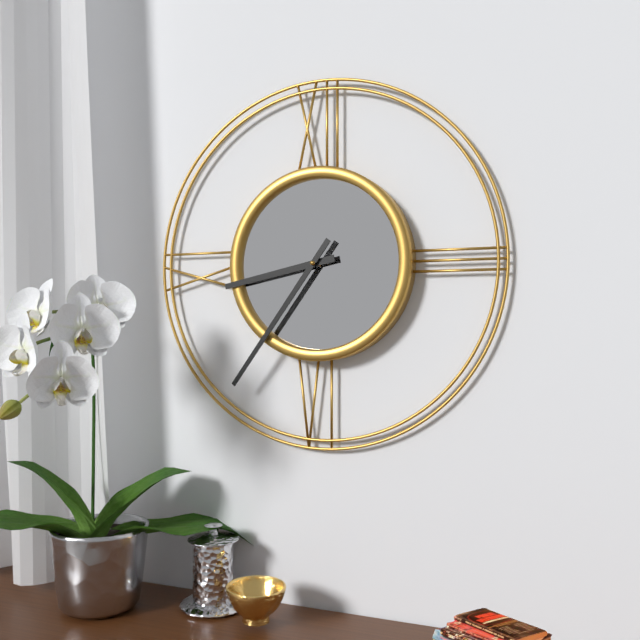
8:36
